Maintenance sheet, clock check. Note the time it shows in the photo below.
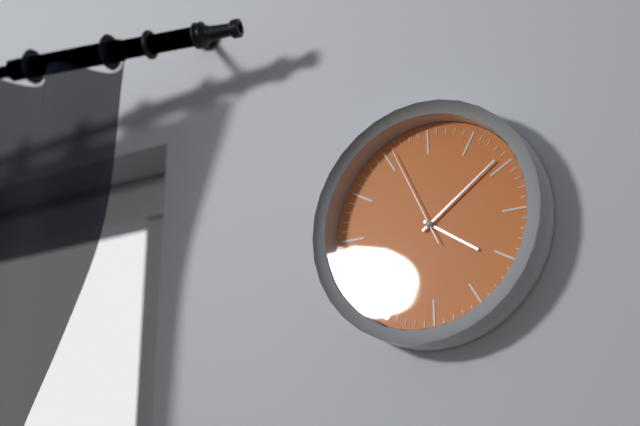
4:09:56
